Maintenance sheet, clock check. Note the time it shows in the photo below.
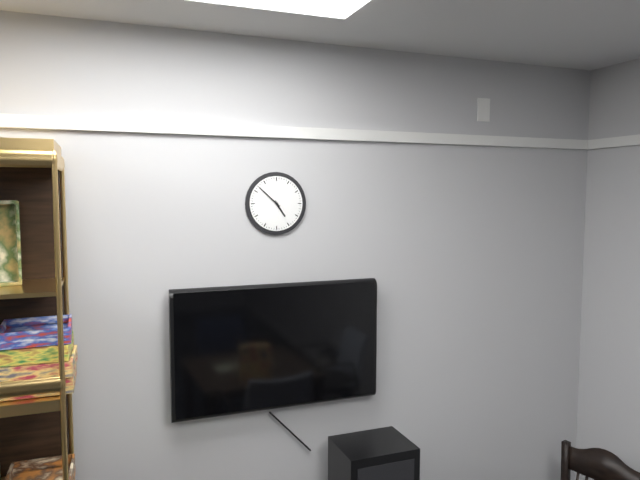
4:52
